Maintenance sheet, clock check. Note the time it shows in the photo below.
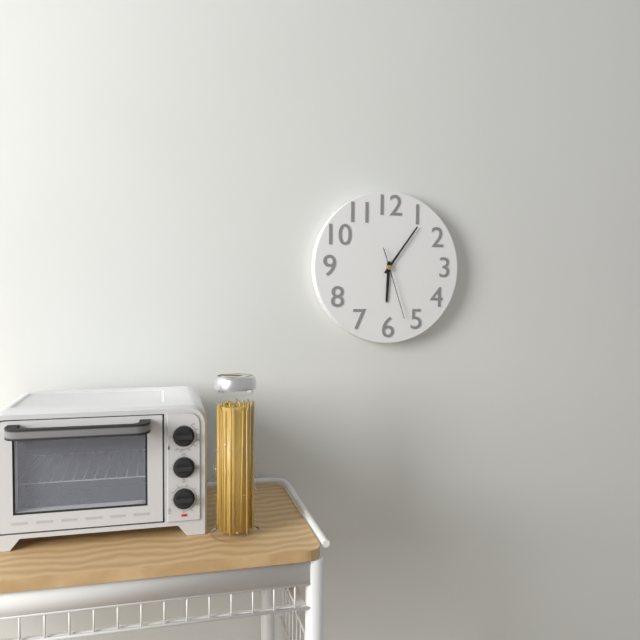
6:06:27
